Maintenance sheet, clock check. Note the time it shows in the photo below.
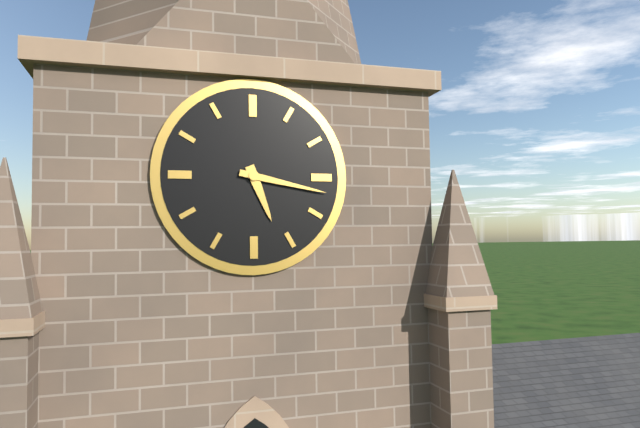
5:17
